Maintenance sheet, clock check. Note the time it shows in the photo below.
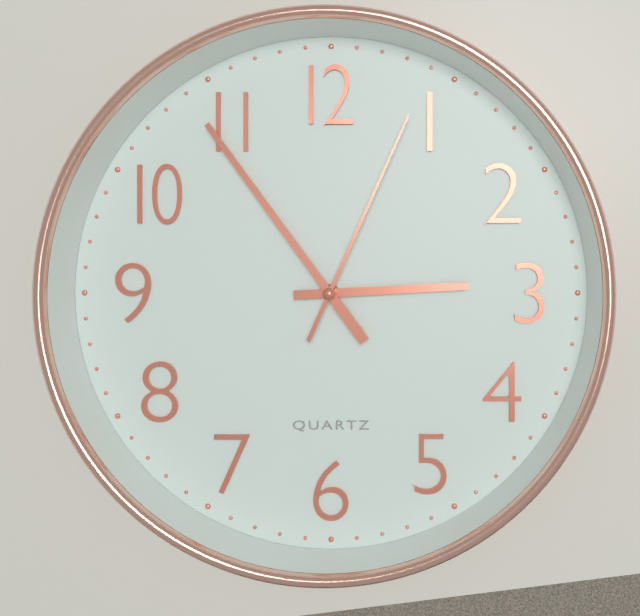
2:54:04
